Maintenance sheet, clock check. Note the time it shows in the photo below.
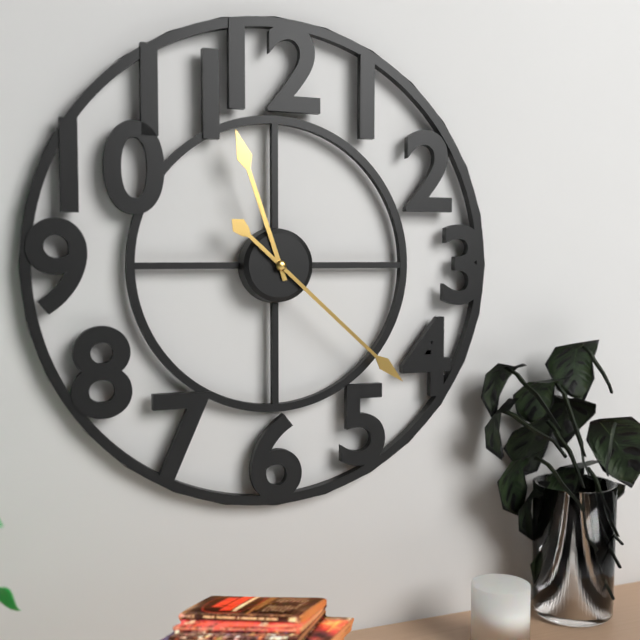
11:22
